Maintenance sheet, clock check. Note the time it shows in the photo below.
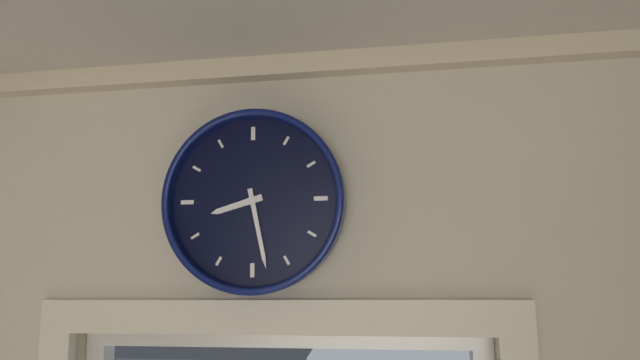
8:28
